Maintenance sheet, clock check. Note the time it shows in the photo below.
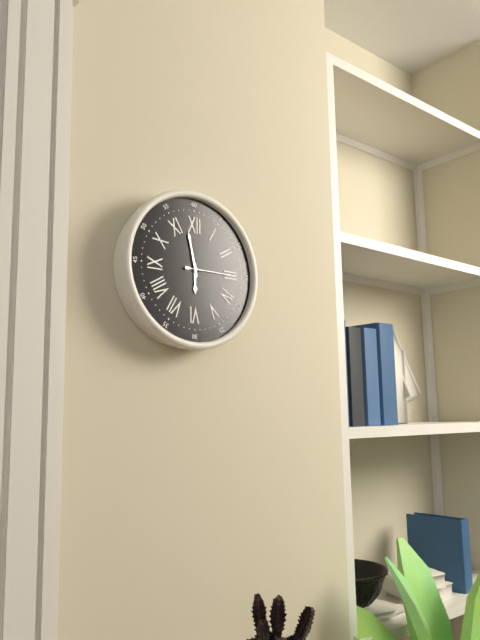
5:58
